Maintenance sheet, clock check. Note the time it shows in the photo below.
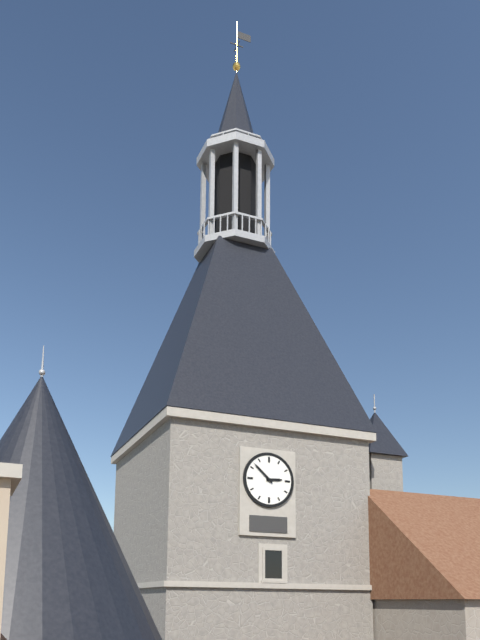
2:52
